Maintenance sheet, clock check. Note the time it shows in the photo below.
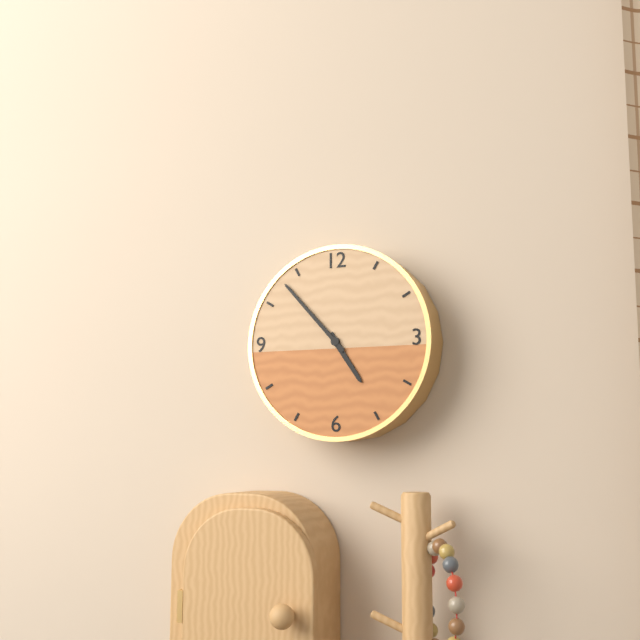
4:53
